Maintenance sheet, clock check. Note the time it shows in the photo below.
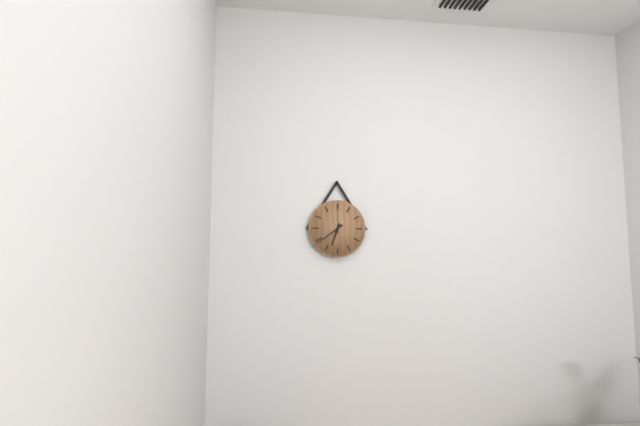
6:39
